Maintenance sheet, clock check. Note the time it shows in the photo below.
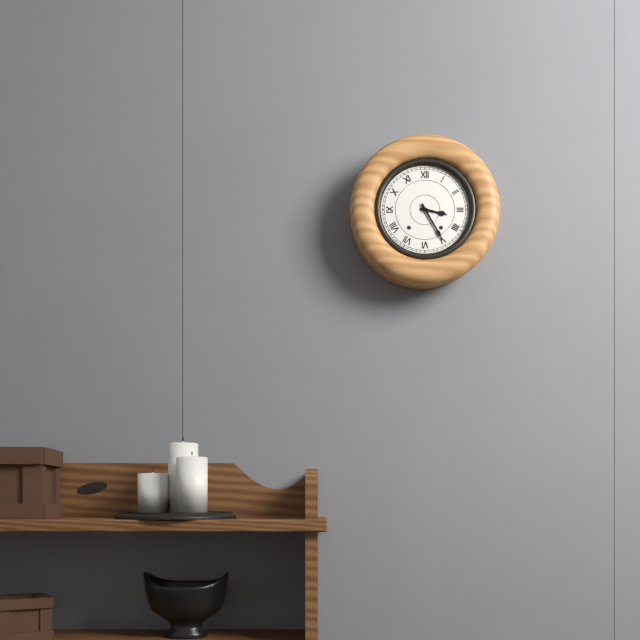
3:25
